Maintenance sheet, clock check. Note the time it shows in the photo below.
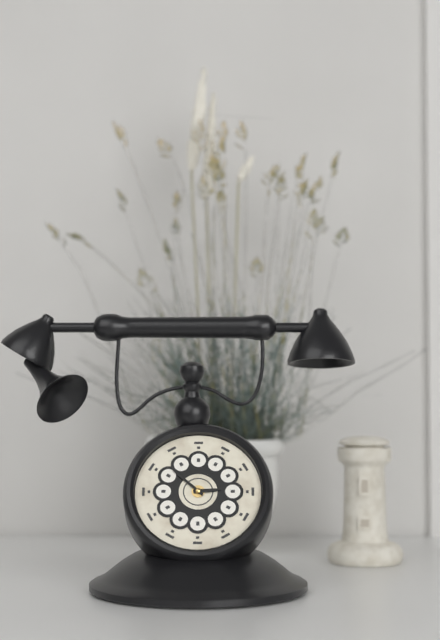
2:52
